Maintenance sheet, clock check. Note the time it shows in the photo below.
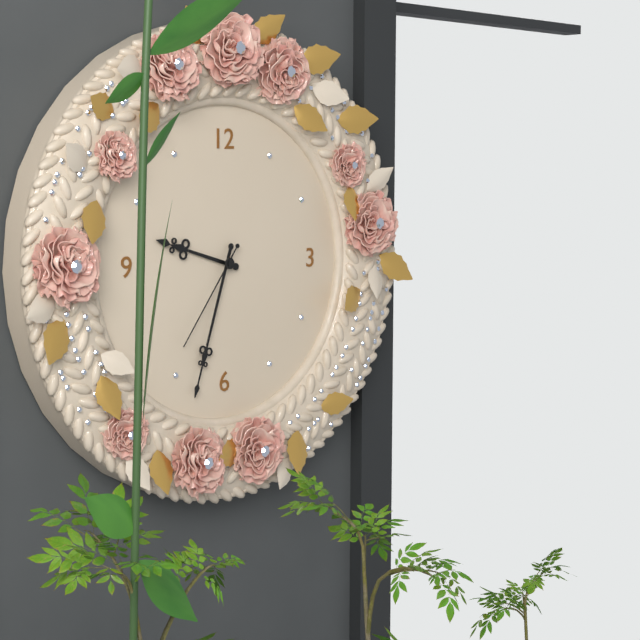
9:33:36
